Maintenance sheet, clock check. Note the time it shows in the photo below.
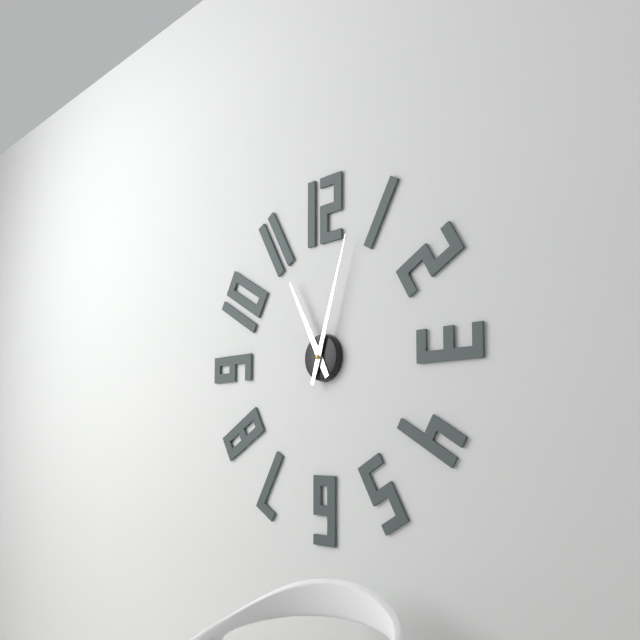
11:03
